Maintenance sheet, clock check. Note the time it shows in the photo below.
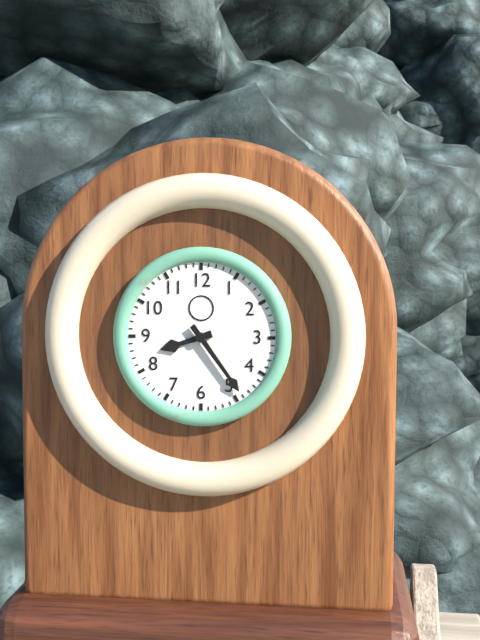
8:24
